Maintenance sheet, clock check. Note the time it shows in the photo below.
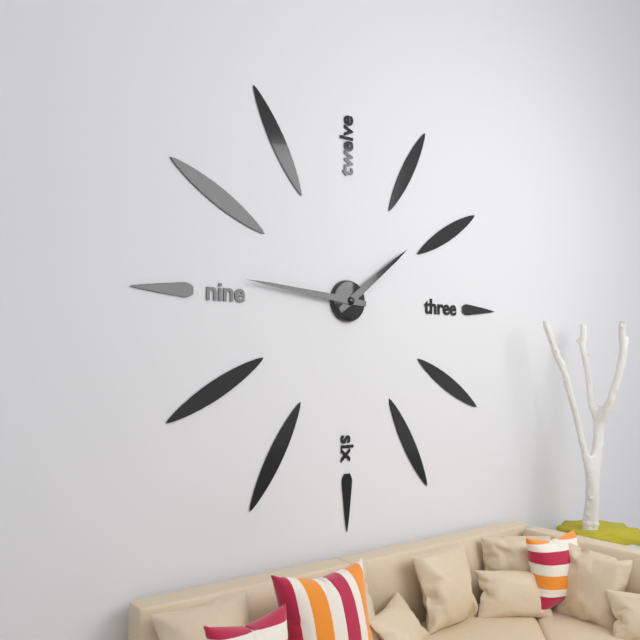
1:46
